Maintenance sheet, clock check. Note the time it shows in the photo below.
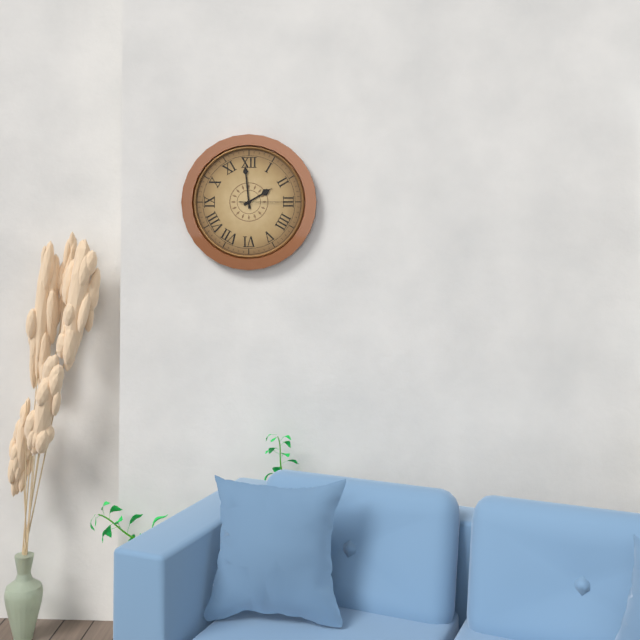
1:59:15
